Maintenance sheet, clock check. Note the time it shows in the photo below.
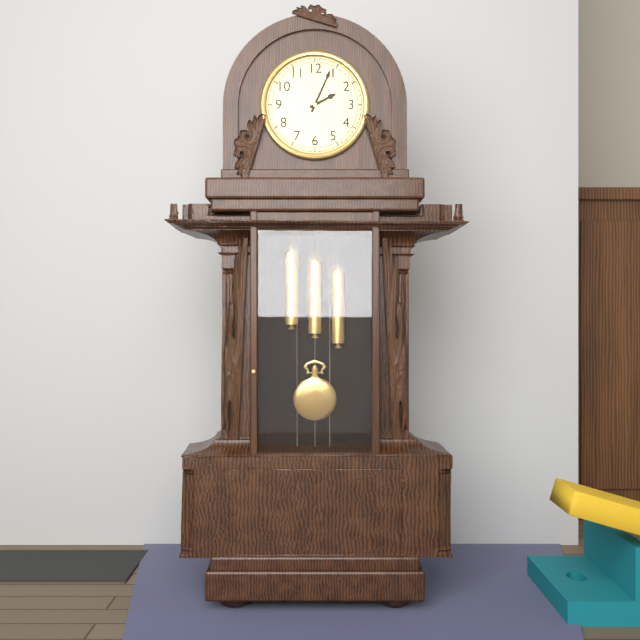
2:04
